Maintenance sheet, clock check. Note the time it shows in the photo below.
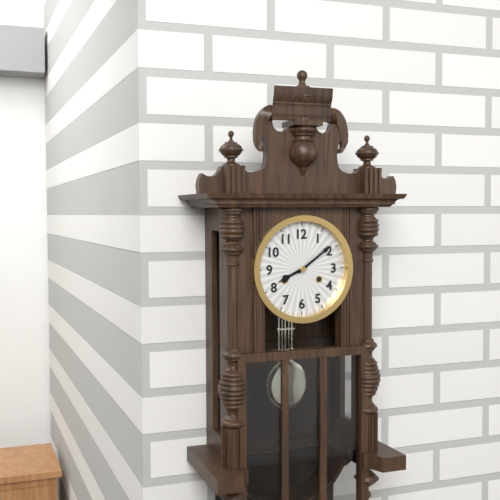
8:09
